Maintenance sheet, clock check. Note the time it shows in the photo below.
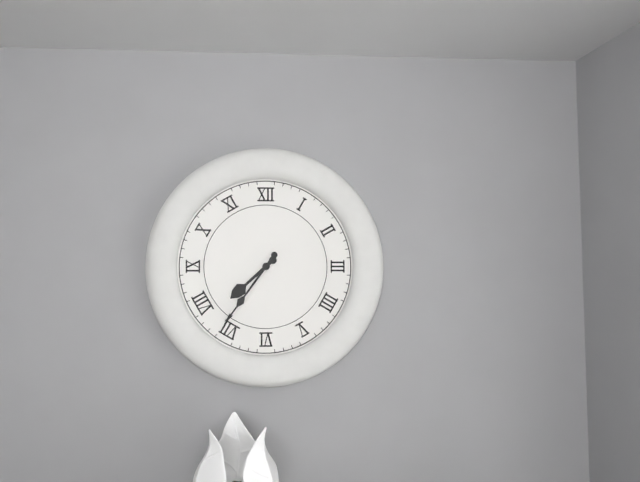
7:36
